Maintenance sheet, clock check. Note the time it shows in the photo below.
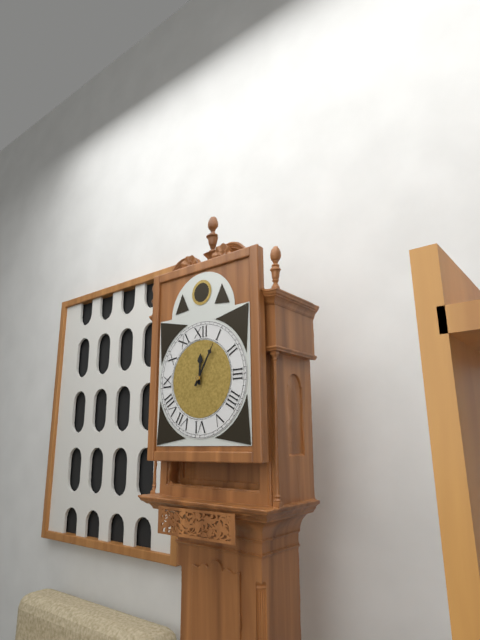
12:05
